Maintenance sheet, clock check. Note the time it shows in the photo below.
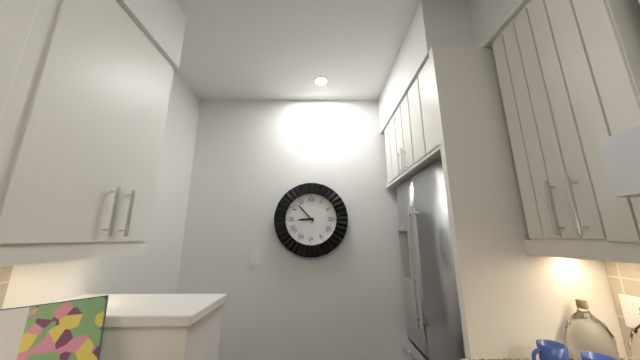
8:53
